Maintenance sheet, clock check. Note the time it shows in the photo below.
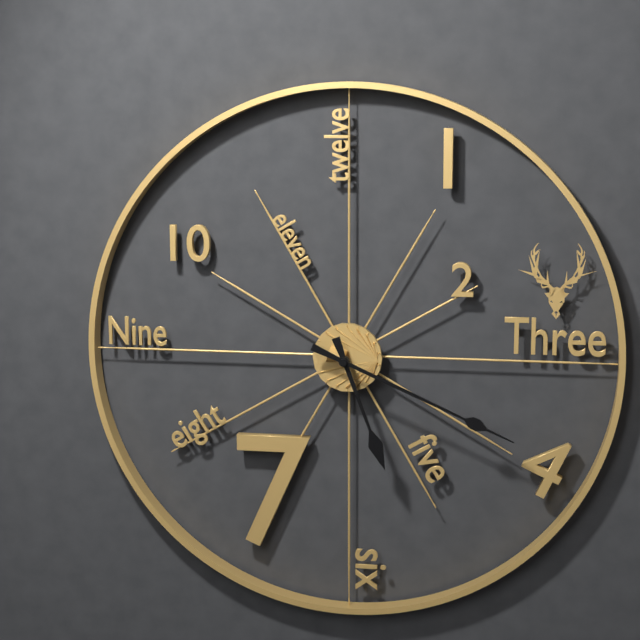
5:19
